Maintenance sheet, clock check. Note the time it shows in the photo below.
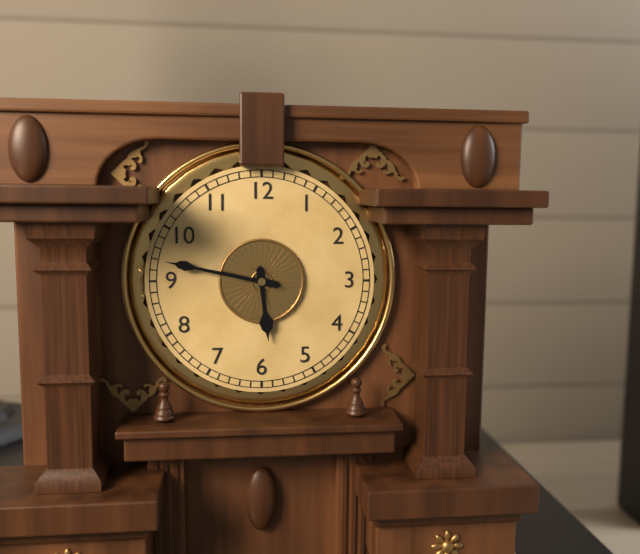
5:47
